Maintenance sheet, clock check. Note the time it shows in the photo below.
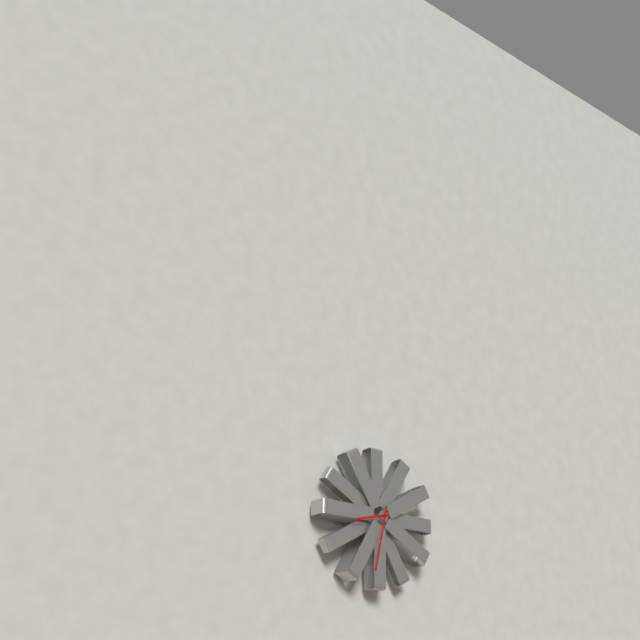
8:32
